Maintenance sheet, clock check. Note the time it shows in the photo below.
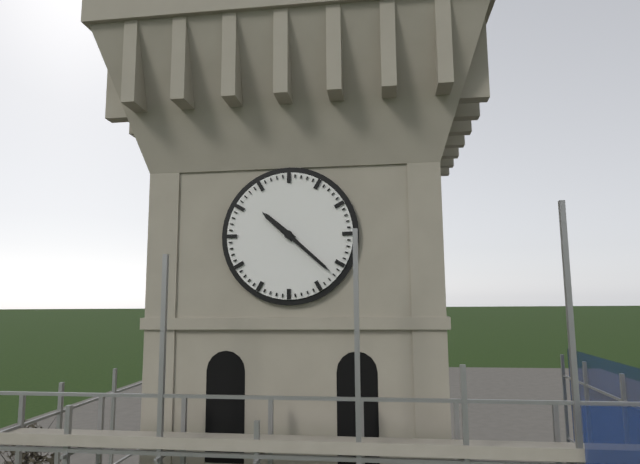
10:22
